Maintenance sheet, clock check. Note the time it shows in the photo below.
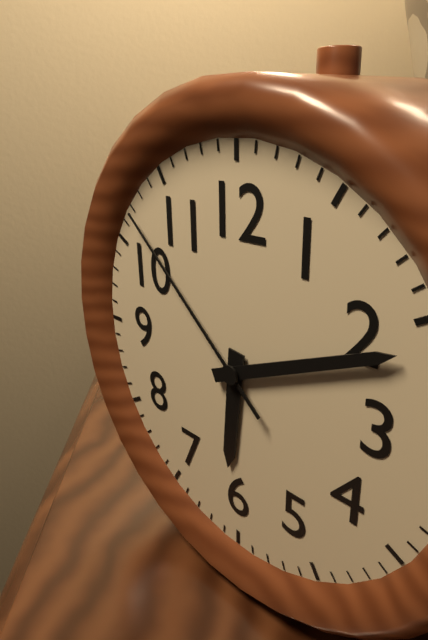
6:11:52
